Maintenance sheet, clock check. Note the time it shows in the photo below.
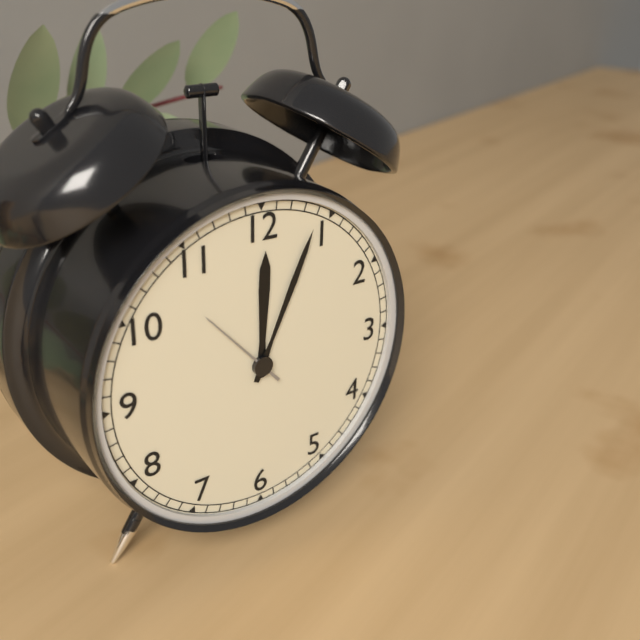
12:04:53
